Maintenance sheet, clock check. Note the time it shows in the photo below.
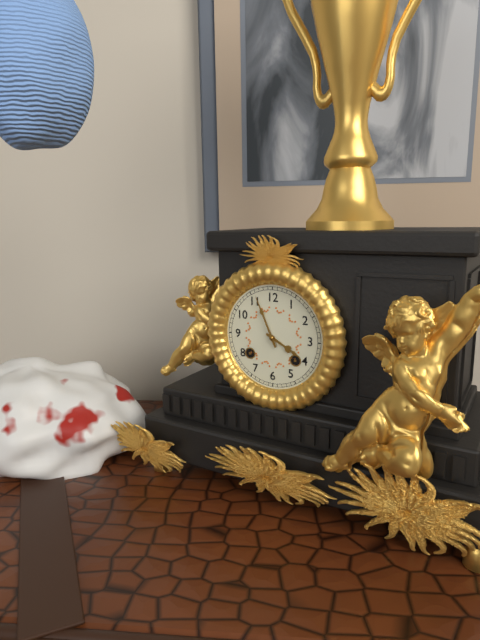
3:56
